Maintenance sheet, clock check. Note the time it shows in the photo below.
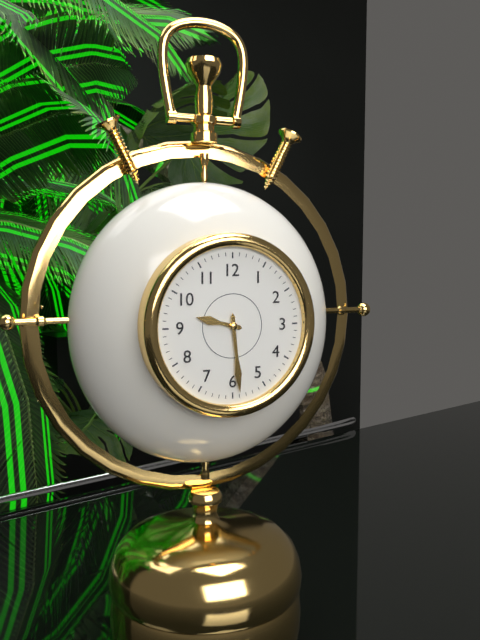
9:29
